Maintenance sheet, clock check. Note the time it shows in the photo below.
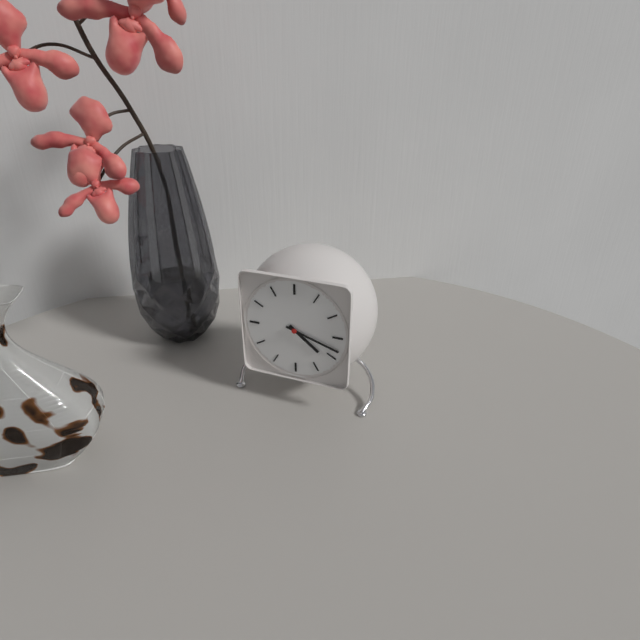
4:18
